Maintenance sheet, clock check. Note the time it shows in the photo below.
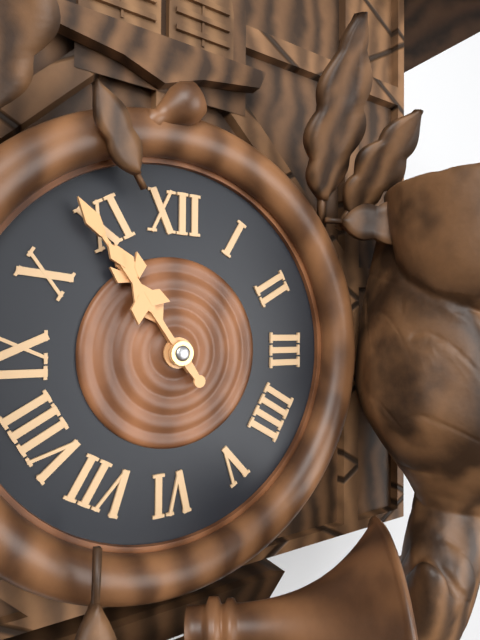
10:54
